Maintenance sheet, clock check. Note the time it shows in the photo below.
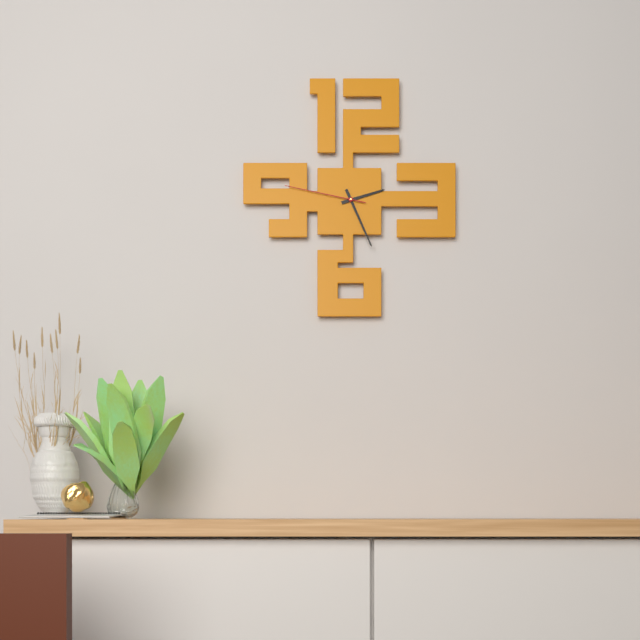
2:26:47
